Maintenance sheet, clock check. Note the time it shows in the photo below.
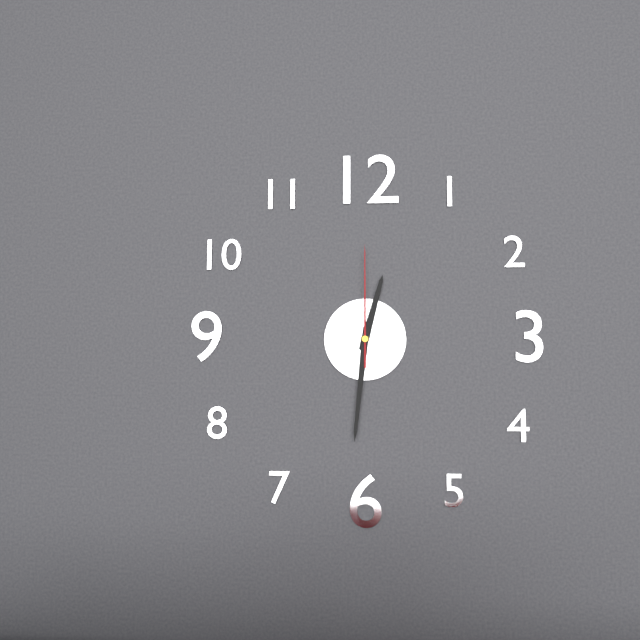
12:31:00
